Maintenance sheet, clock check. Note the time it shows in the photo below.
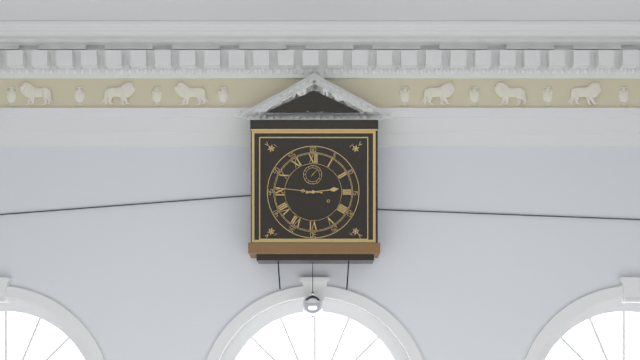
2:46
